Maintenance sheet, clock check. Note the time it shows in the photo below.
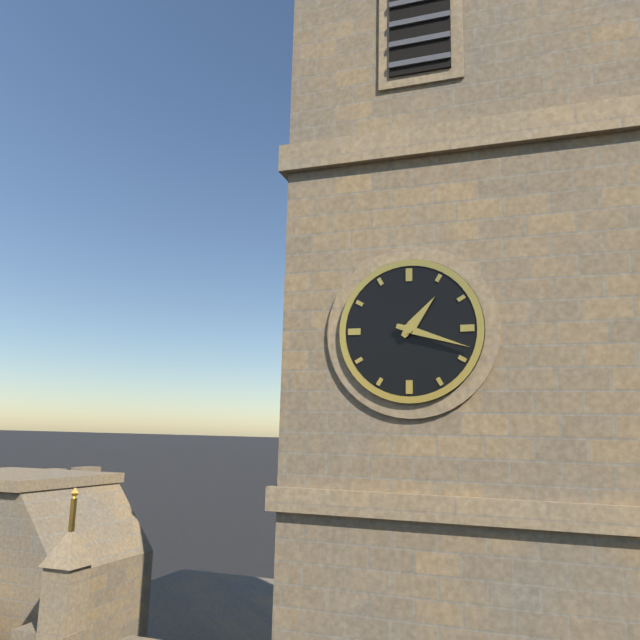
1:18
